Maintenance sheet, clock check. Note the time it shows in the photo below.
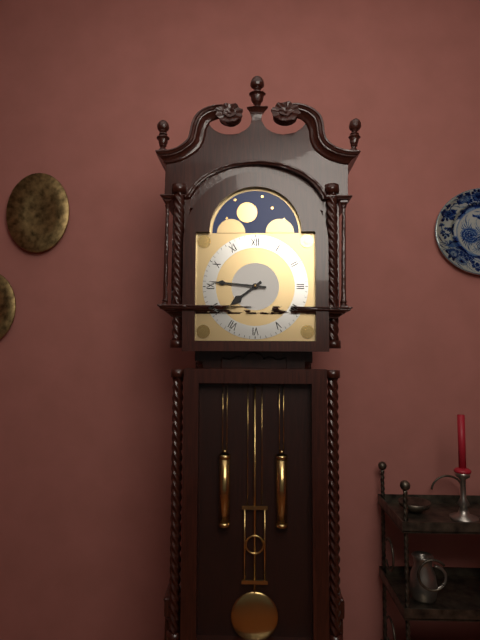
7:46
